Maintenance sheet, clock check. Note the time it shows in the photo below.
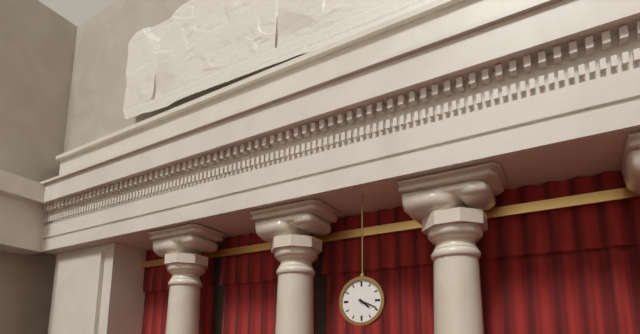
4:19
